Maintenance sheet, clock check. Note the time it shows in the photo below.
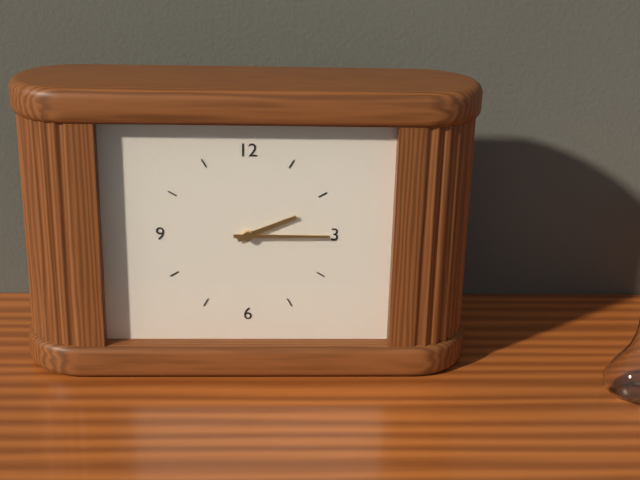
2:15
